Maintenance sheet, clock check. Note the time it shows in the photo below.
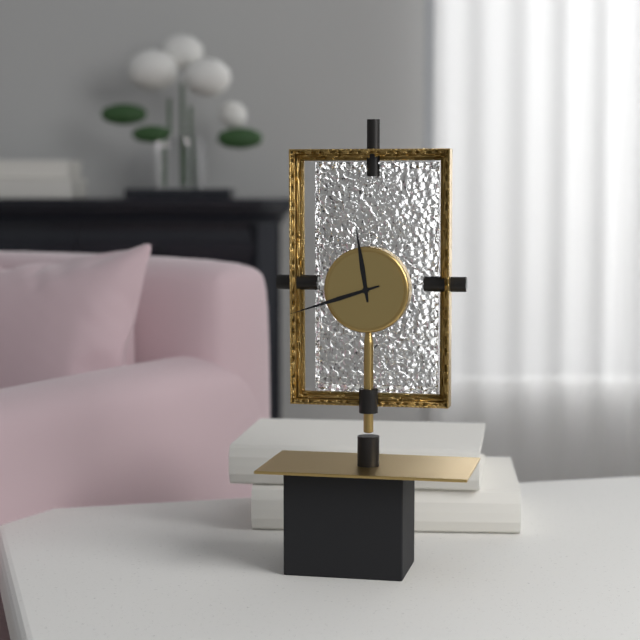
11:42
